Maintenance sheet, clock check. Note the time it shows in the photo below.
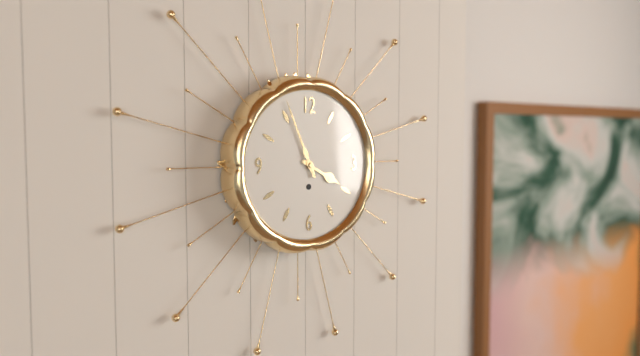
3:56
